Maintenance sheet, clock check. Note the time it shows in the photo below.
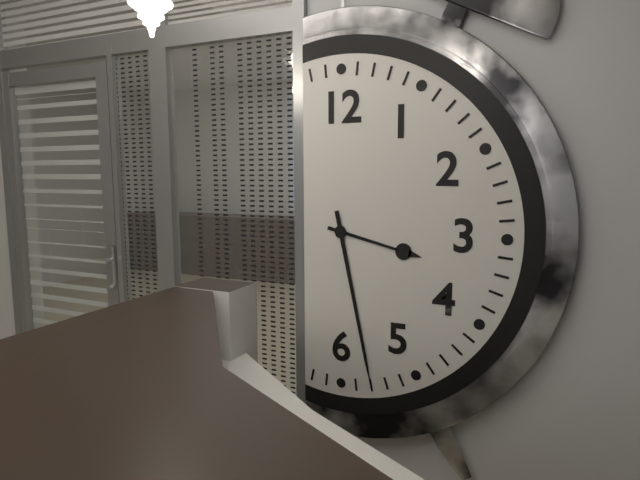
3:28
